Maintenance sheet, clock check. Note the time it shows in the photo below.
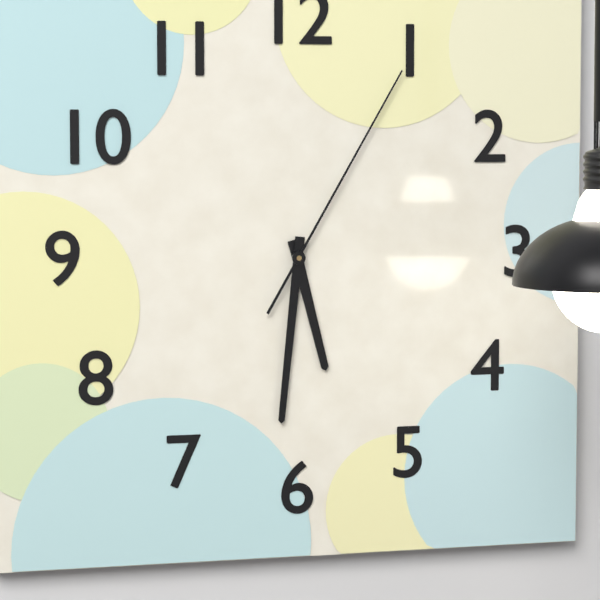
5:31:05
